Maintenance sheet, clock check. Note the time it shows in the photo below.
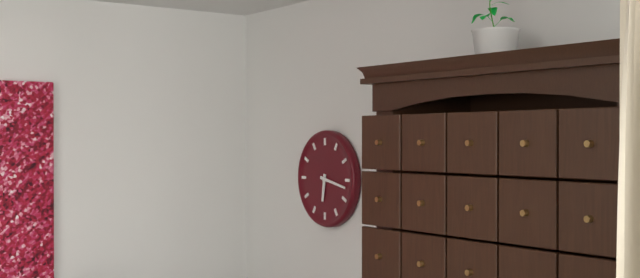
6:17
